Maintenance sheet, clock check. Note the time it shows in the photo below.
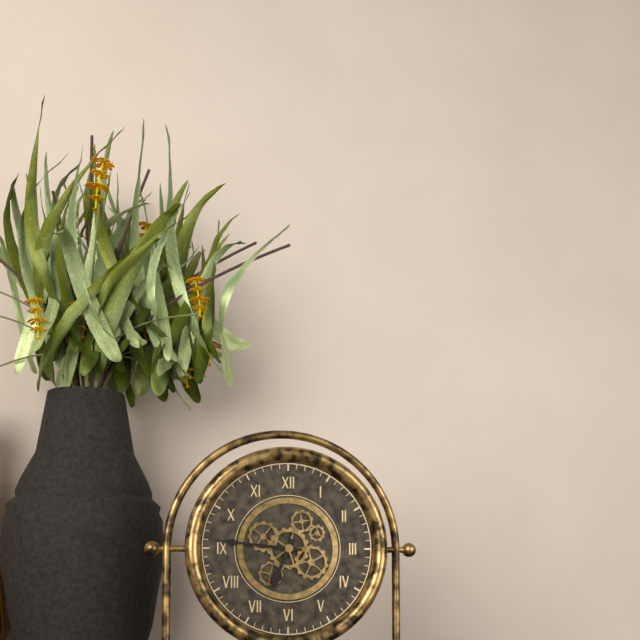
6:46
